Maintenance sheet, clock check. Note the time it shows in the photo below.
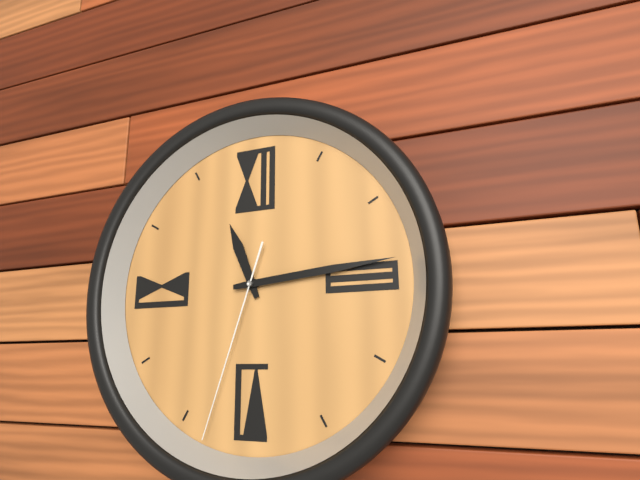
11:14:33
